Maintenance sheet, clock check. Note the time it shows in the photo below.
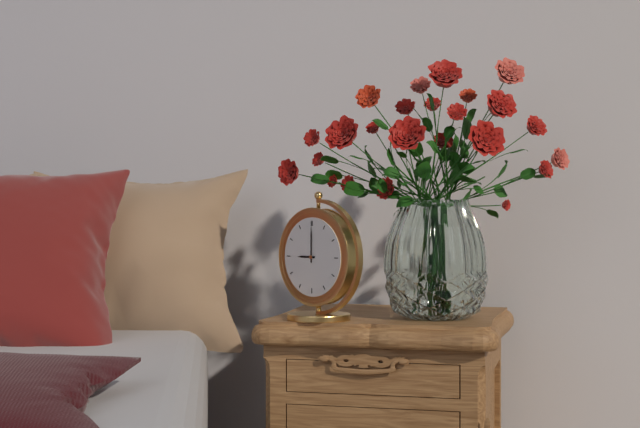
9:00
